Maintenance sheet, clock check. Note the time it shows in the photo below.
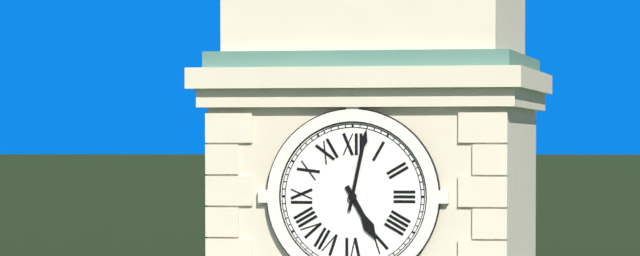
5:02
